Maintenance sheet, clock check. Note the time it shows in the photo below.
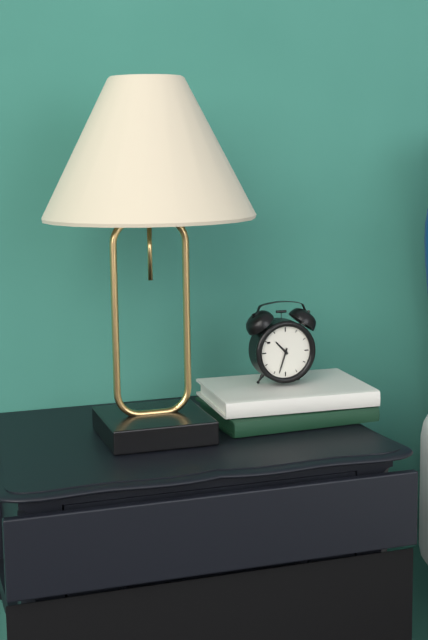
10:33
